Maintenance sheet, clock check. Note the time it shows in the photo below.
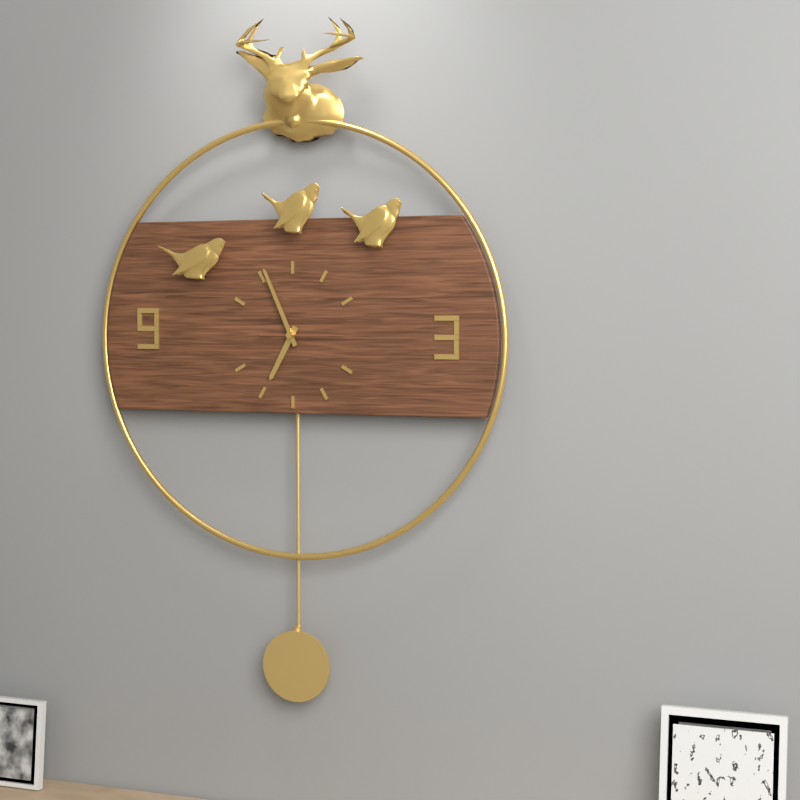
6:56:15
